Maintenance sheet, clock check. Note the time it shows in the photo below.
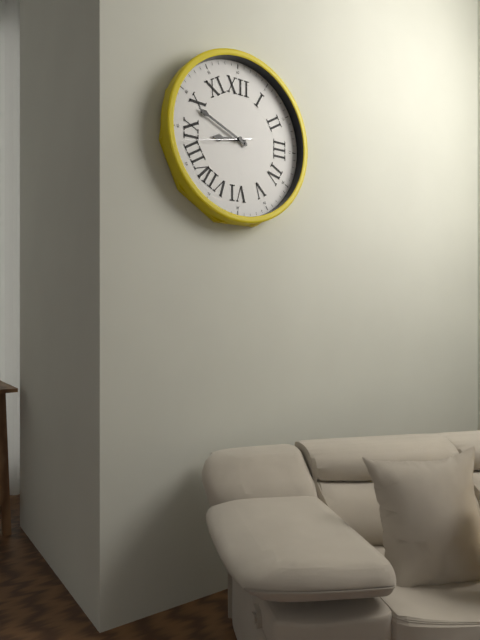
8:49:43
